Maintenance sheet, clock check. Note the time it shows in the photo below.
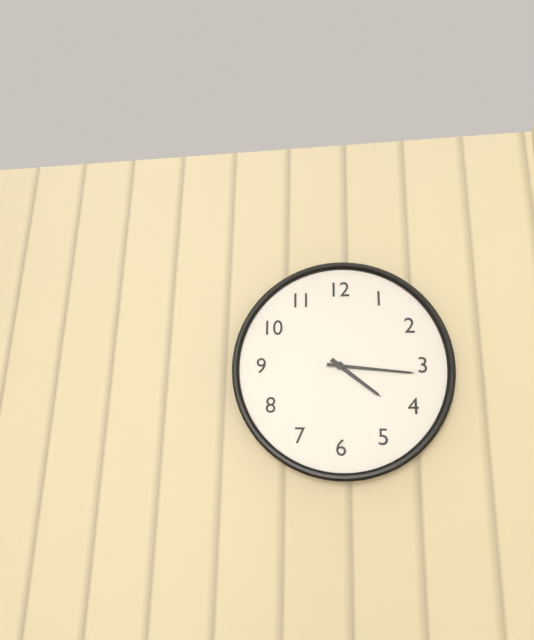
4:16
